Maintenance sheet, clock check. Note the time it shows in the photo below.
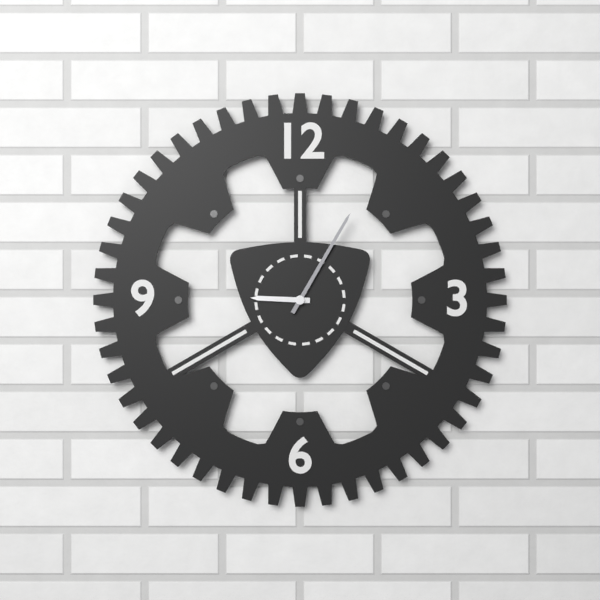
9:05
